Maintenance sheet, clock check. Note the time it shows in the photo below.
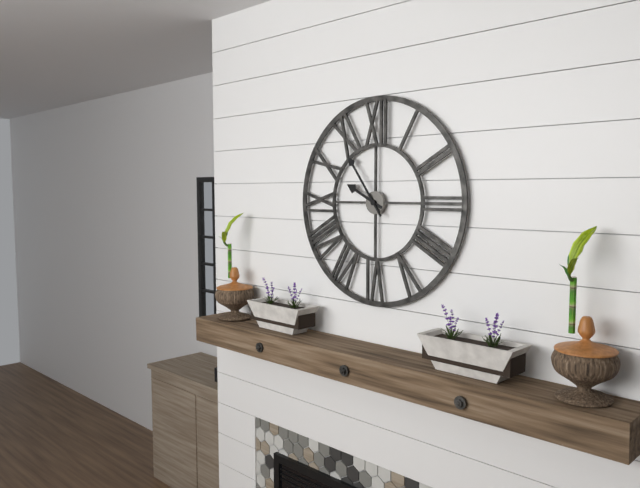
9:54
